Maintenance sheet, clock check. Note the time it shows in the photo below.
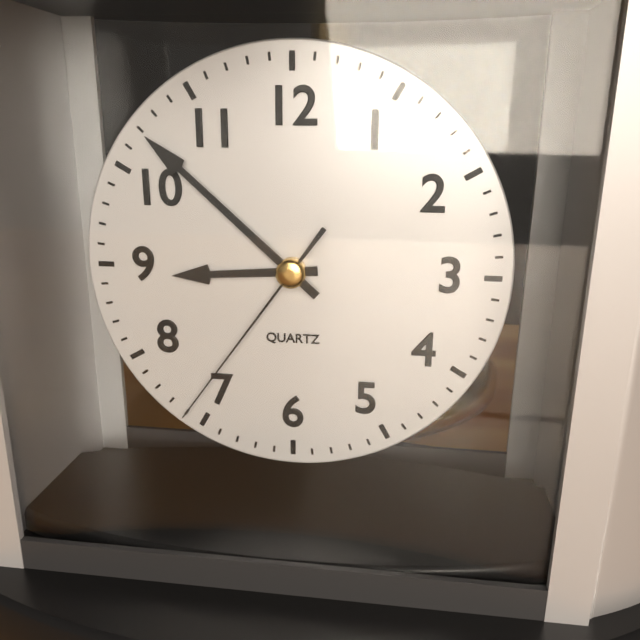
8:52:36
